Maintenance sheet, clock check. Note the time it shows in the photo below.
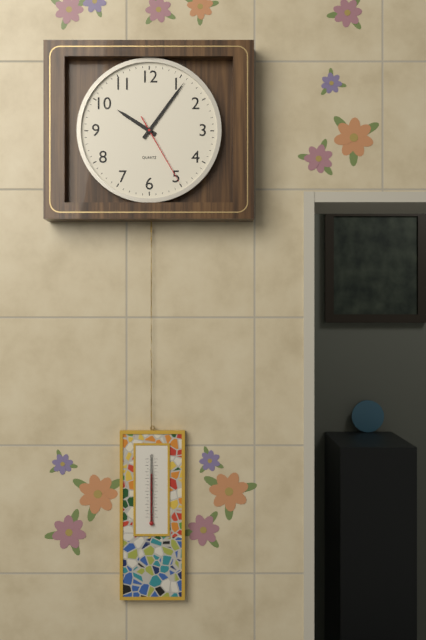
10:06:25
